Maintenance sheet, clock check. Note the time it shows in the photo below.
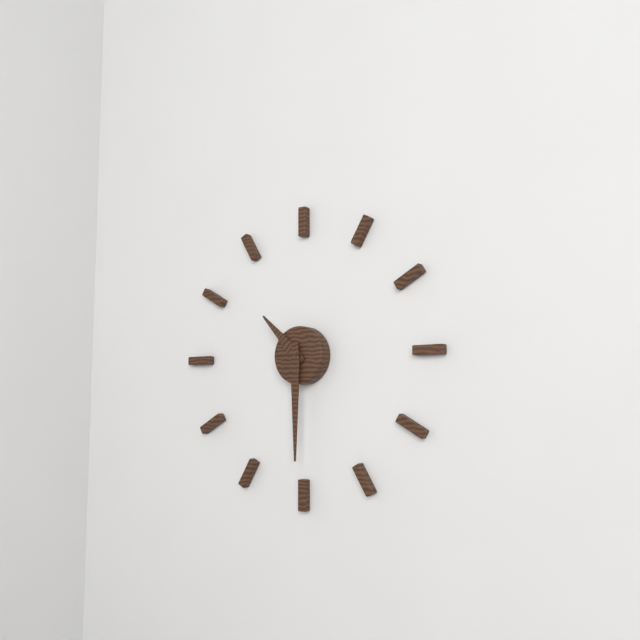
10:30
